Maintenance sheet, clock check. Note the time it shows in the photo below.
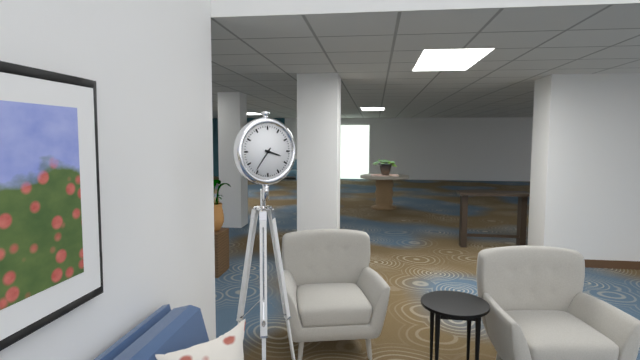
3:36
